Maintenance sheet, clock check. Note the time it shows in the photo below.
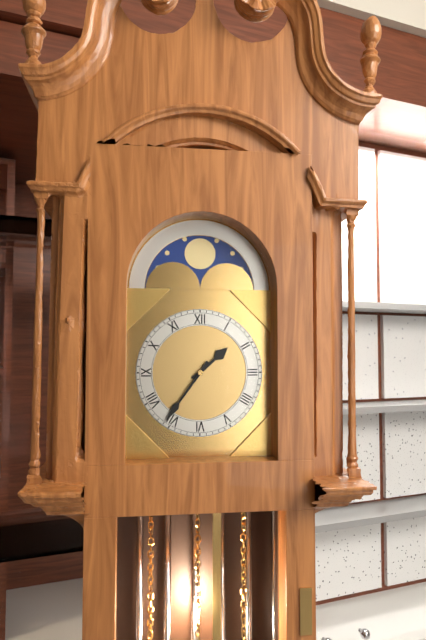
1:36
